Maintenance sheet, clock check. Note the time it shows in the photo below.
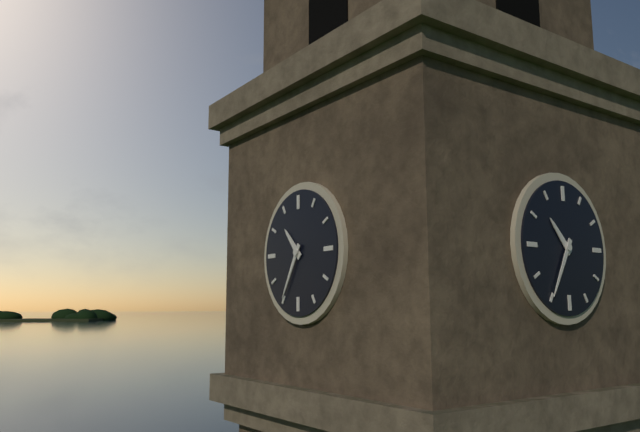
10:35
